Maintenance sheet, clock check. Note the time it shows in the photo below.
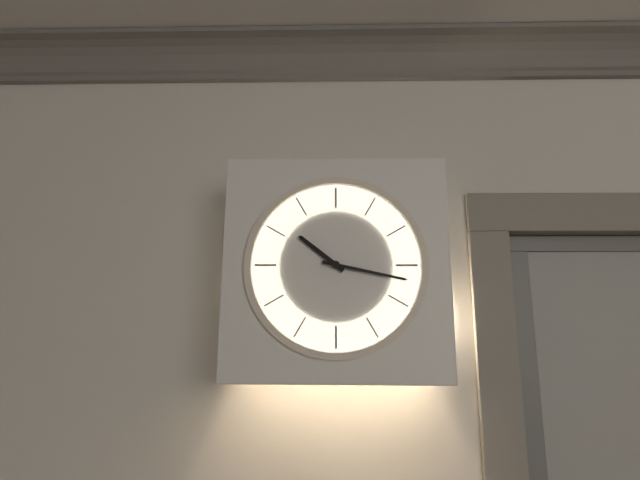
10:17
